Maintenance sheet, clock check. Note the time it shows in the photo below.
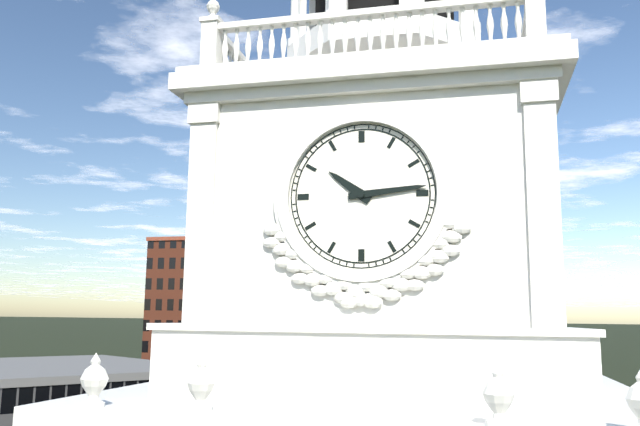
10:14
